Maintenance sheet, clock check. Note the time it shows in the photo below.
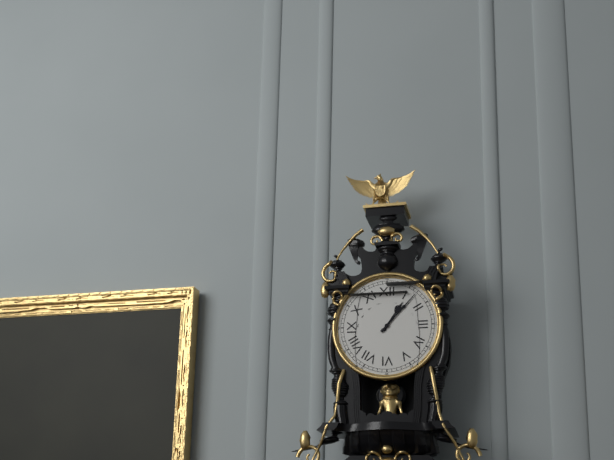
1:07
